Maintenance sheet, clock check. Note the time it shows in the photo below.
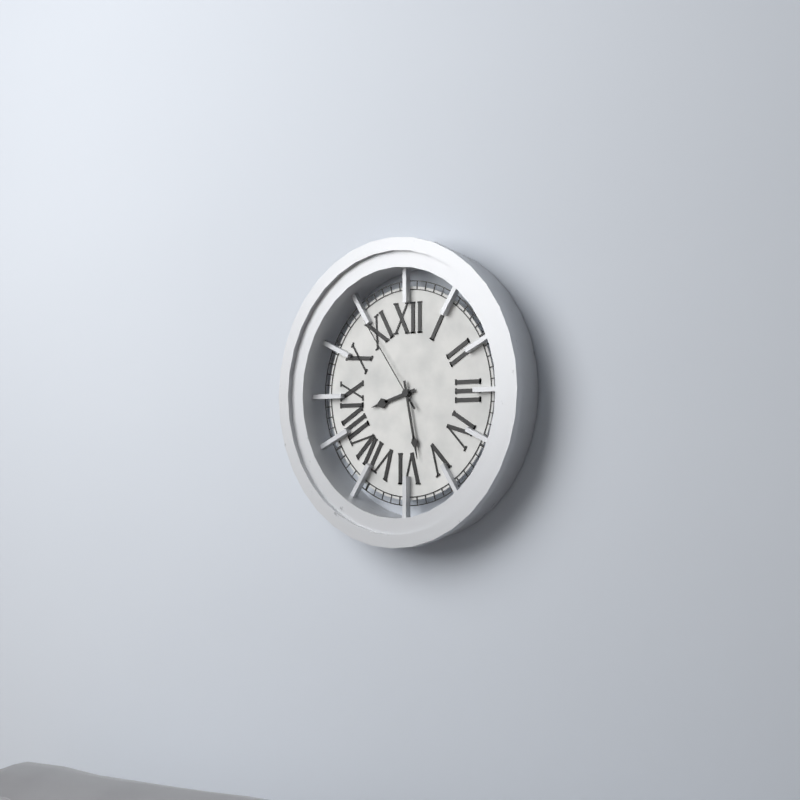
8:28:54
